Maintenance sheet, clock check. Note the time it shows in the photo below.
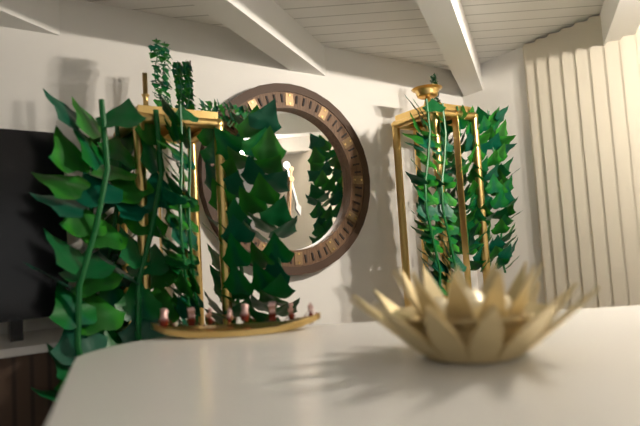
5:31
